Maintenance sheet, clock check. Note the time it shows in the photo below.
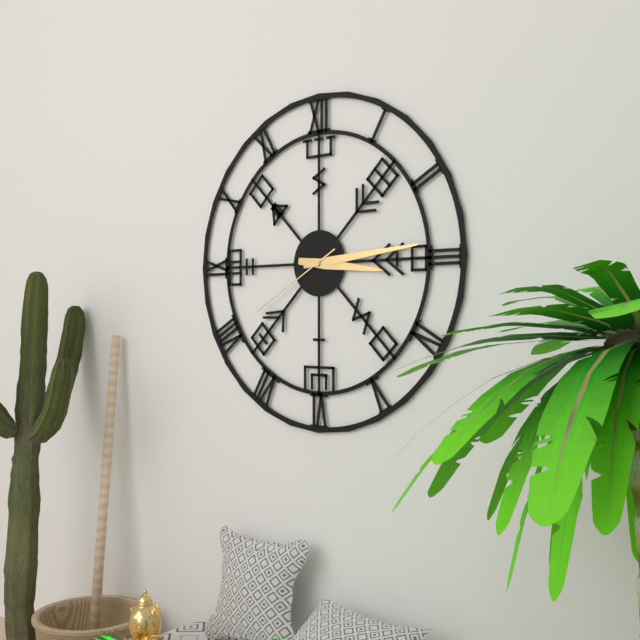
3:14:40
